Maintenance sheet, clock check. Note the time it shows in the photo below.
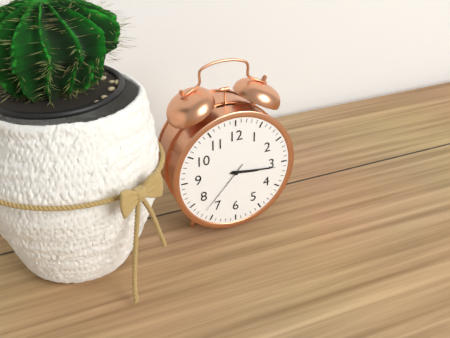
3:16:37
